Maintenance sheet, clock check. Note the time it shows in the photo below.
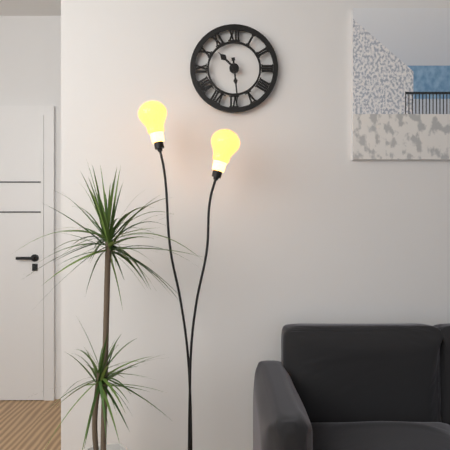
10:29
